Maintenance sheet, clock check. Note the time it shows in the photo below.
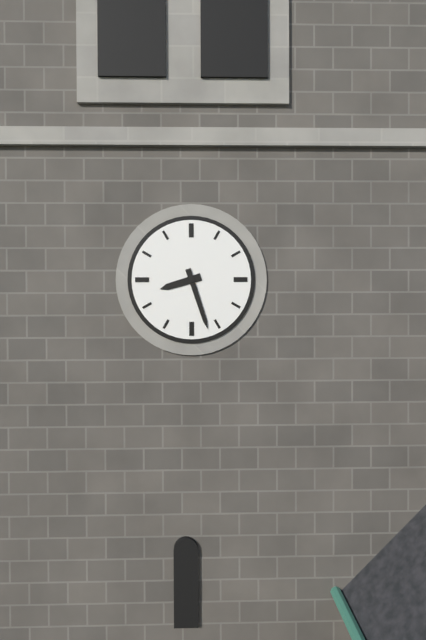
8:27
